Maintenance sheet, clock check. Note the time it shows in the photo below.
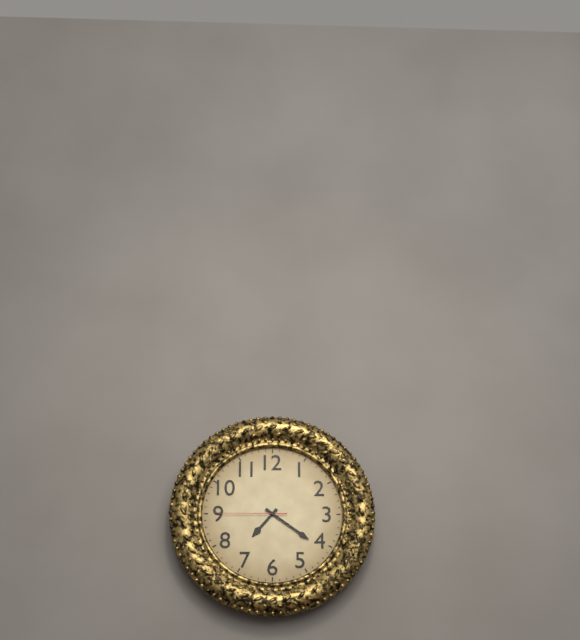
7:21:45
